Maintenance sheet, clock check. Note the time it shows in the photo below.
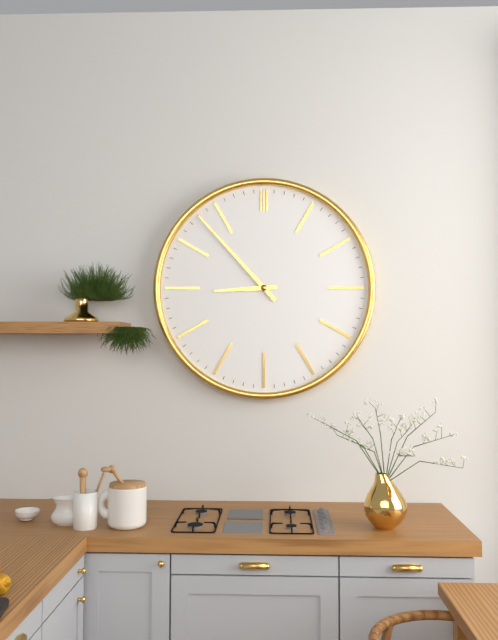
8:53
